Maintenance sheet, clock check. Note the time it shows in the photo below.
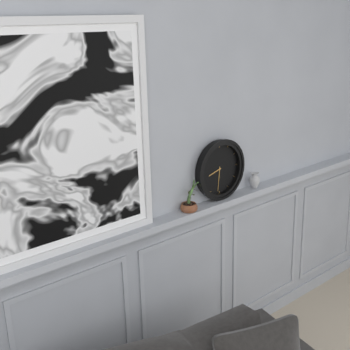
8:31
